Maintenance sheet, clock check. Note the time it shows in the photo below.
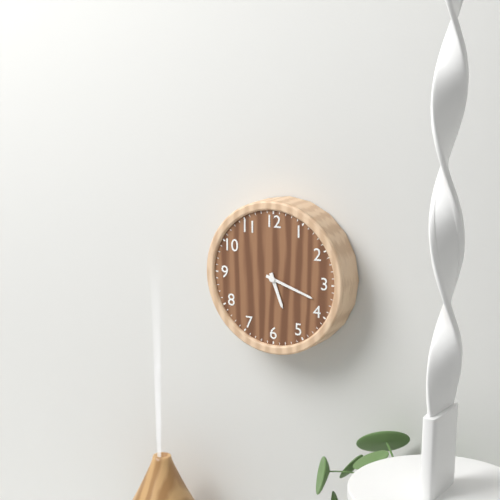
5:18
